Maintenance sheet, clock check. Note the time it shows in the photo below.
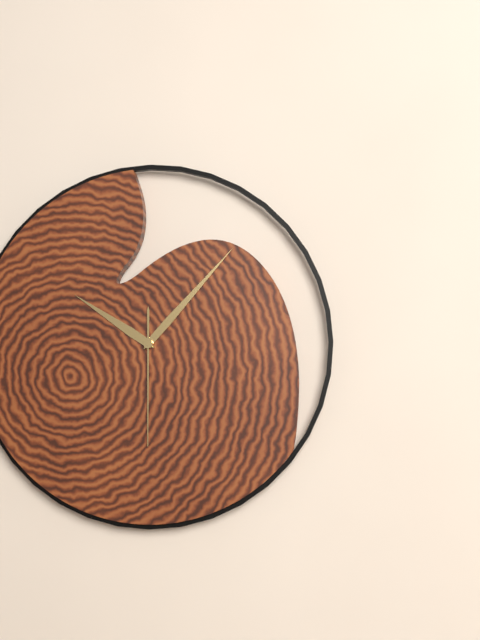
10:07:30
